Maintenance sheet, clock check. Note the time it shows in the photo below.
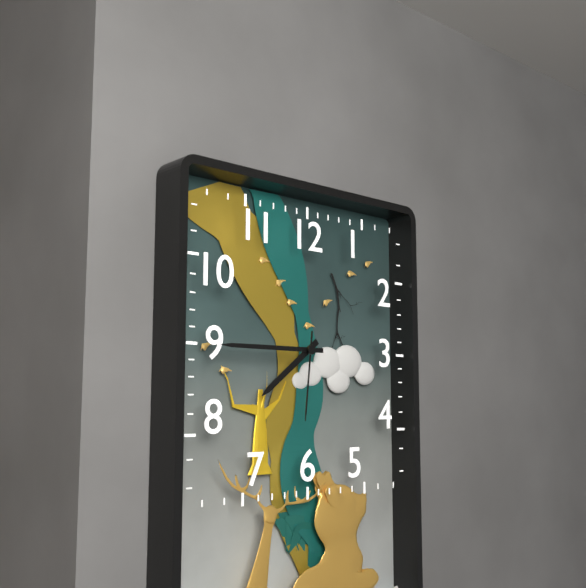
7:45:31
